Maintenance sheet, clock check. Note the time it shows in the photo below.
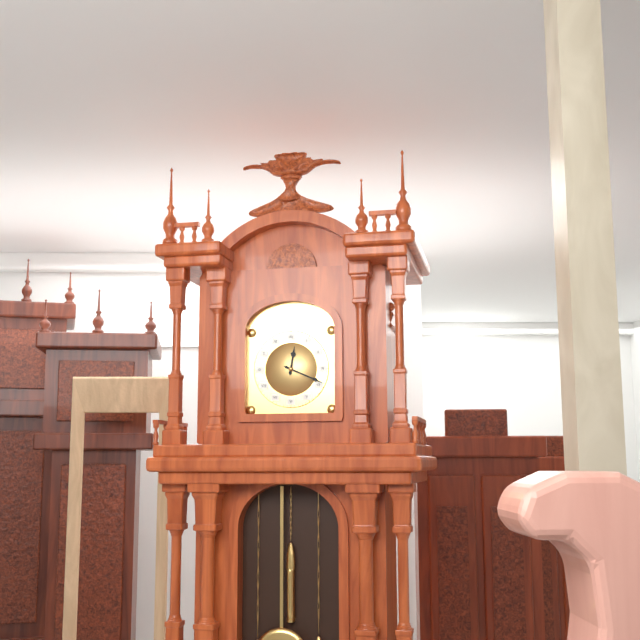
12:19
